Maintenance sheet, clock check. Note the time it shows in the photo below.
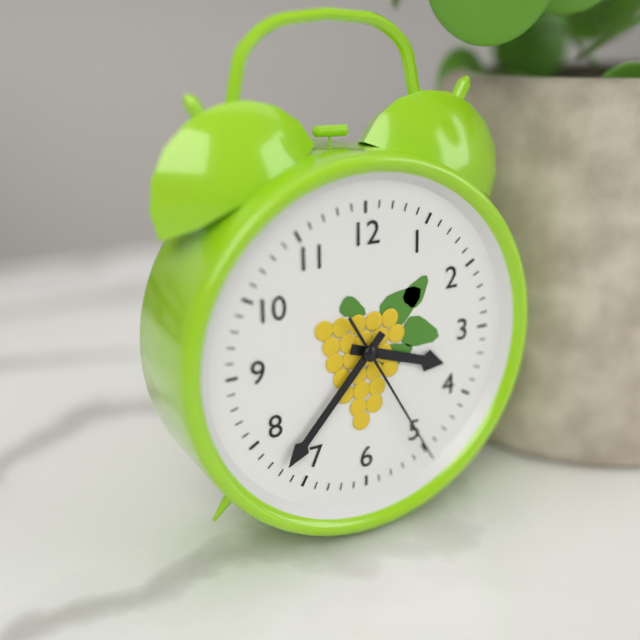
3:37:25
